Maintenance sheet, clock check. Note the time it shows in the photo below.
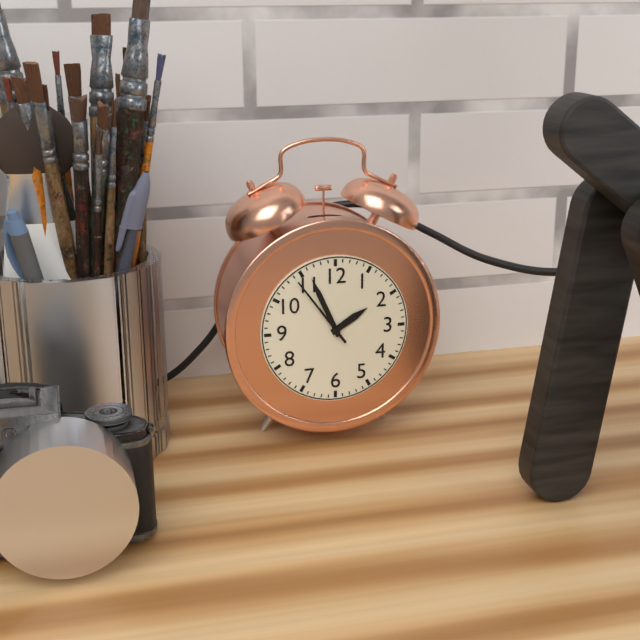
1:56:54
